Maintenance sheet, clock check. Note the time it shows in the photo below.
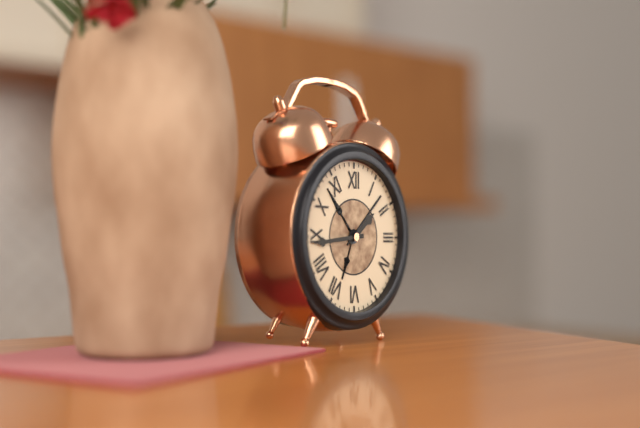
1:44
